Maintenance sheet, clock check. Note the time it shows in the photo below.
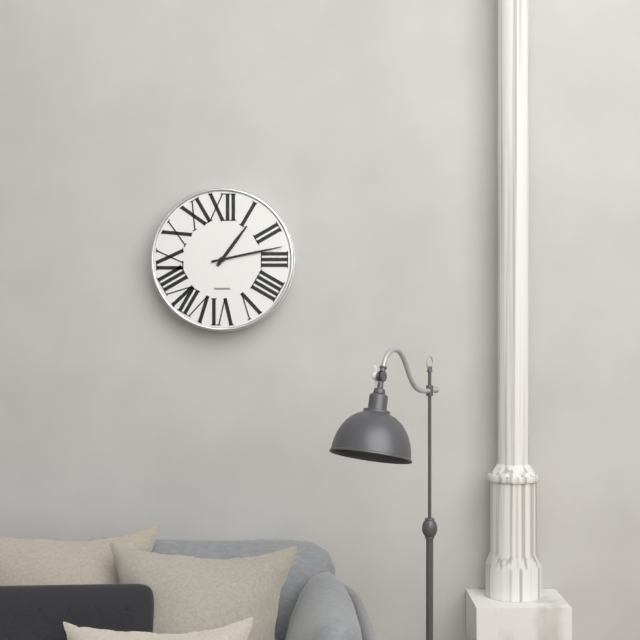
1:13
